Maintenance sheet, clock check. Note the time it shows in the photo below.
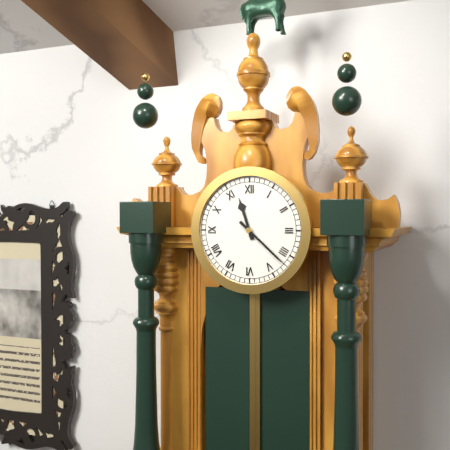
11:22
